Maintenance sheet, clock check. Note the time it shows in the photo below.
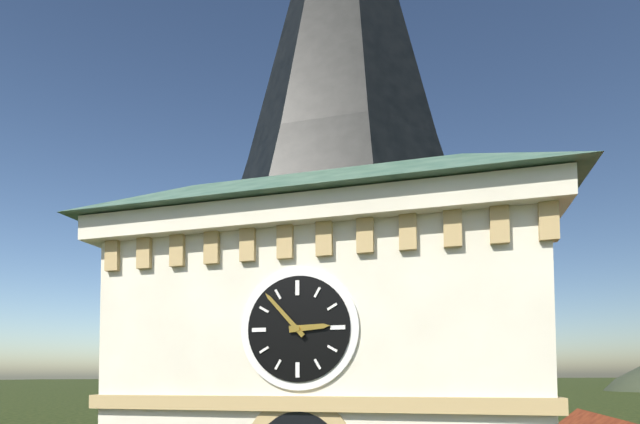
2:53
